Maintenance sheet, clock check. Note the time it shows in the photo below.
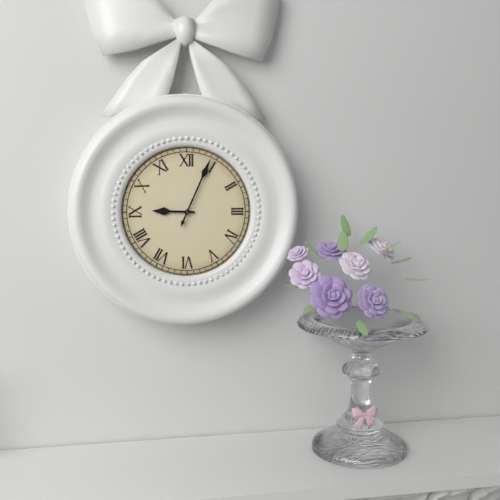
9:04:04
